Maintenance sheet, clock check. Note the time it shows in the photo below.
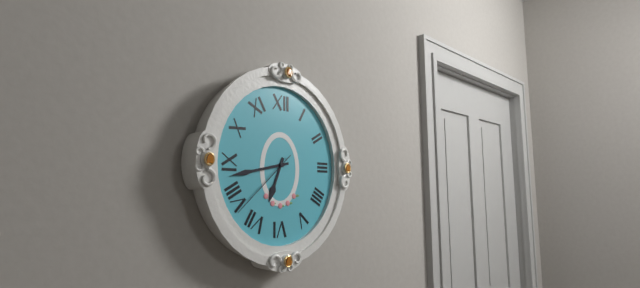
6:43:38
